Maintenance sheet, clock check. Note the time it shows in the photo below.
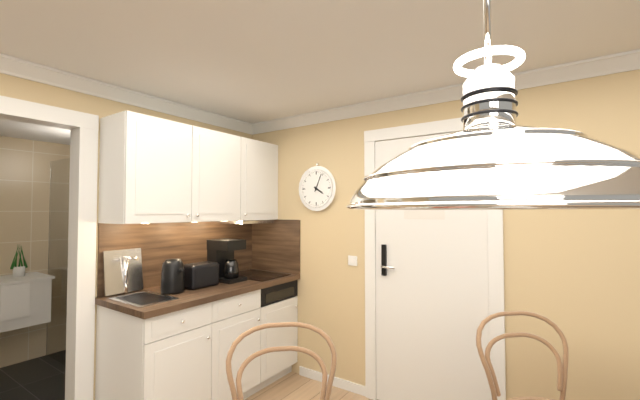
4:04
